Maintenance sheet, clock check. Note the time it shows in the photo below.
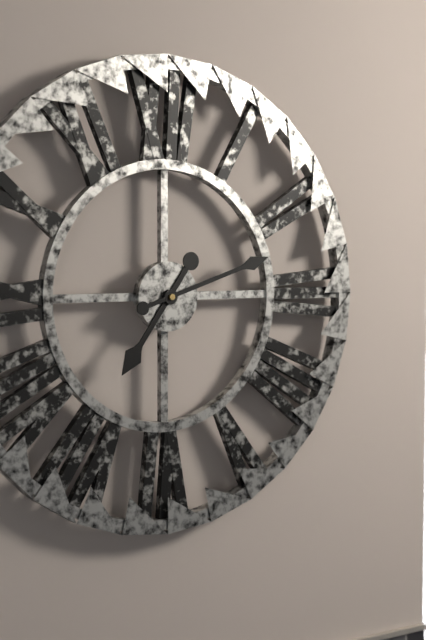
7:12
